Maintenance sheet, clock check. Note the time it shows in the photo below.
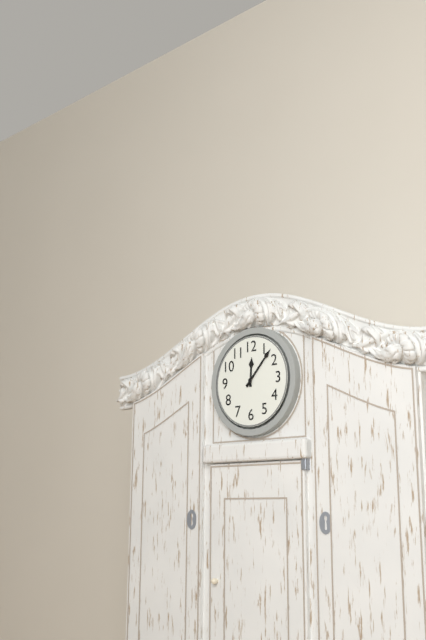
12:07
